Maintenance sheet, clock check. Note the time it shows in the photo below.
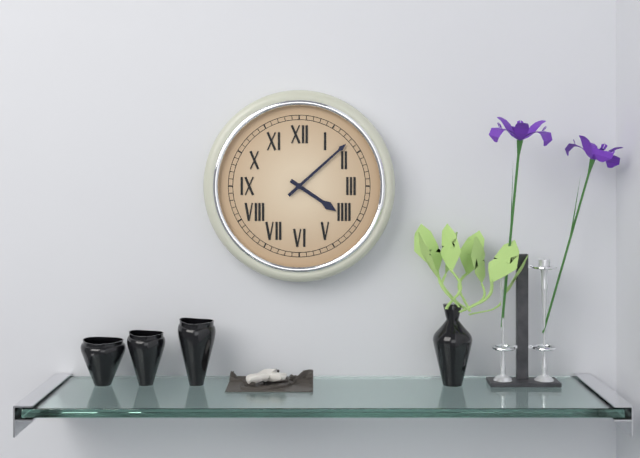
4:08
